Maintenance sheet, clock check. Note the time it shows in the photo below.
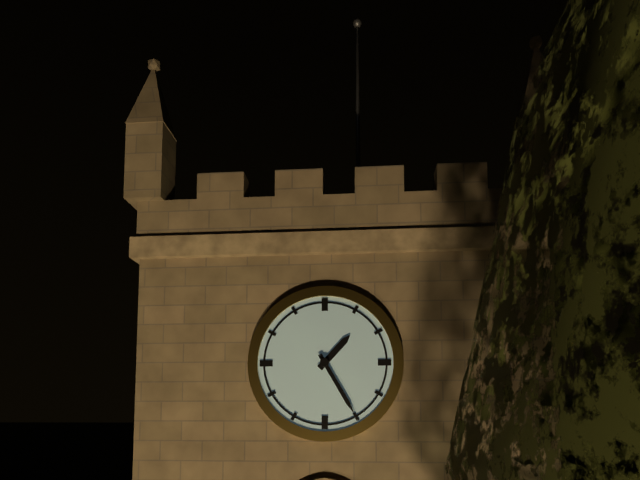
1:25
